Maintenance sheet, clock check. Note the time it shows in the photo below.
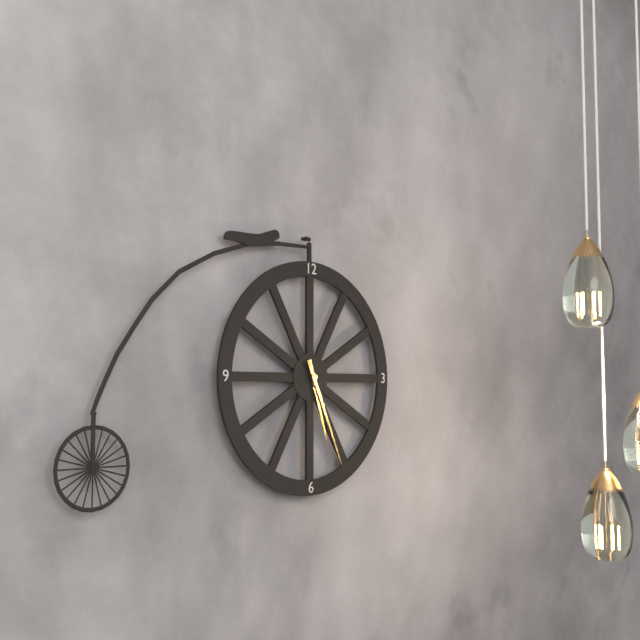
5:26
